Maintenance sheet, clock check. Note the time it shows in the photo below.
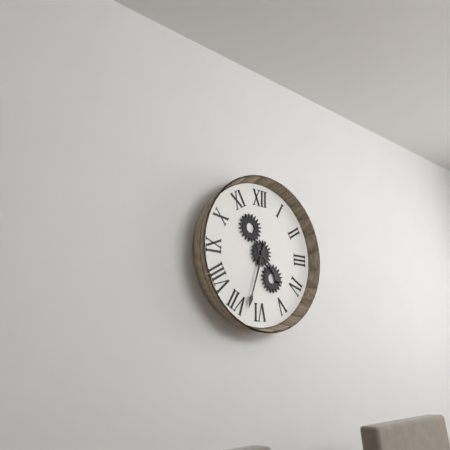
4:33
